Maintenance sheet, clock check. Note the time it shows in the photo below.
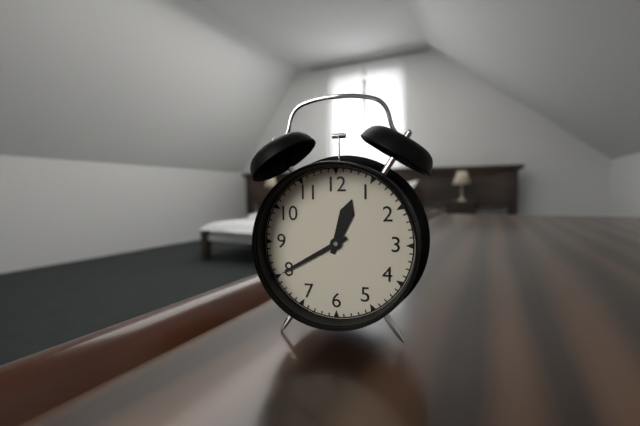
12:40
